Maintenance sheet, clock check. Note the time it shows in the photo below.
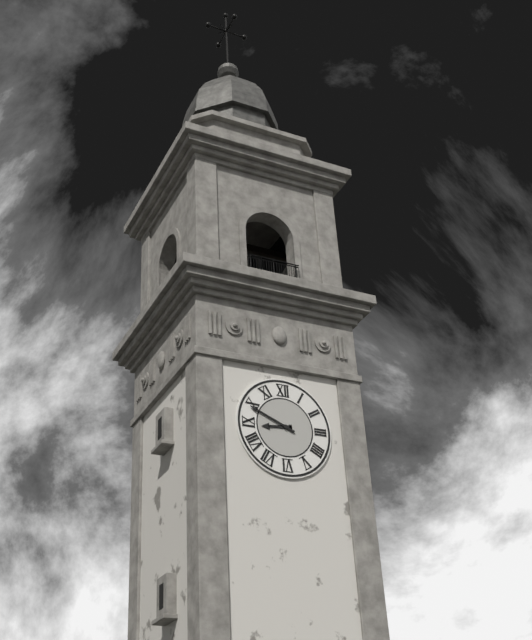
8:49
